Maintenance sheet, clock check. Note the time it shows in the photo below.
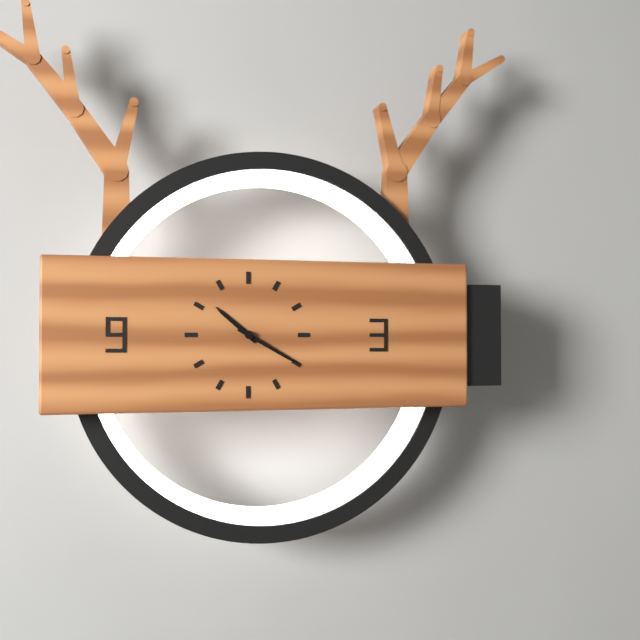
10:20
